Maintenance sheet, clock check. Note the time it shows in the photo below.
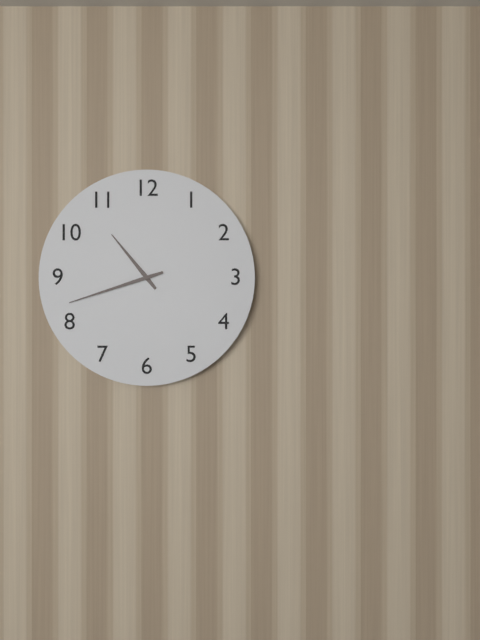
10:42
